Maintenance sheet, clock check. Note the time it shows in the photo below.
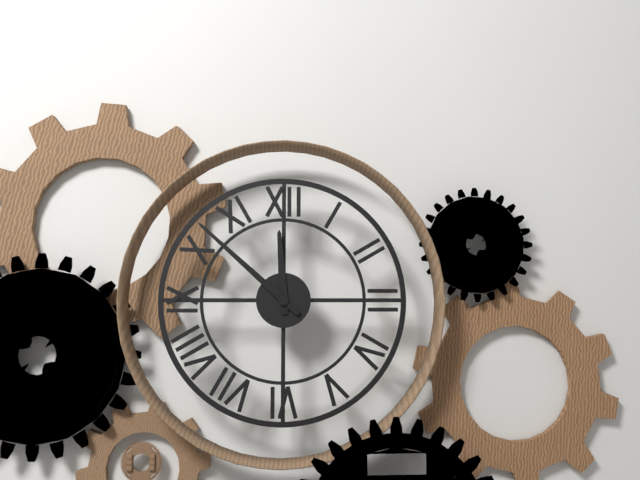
11:52
